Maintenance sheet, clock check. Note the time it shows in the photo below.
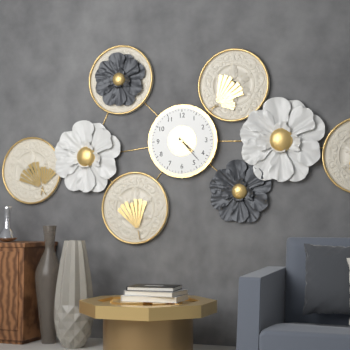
4:23
